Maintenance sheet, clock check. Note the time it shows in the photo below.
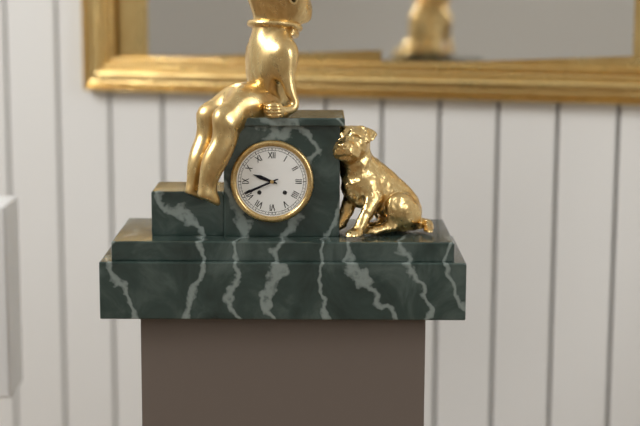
9:41
